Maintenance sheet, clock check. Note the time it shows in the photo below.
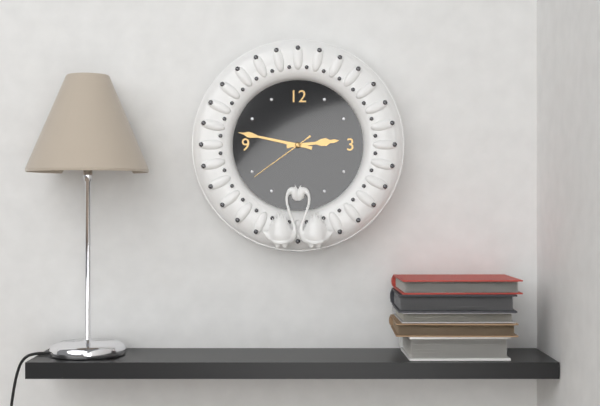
2:47:39
